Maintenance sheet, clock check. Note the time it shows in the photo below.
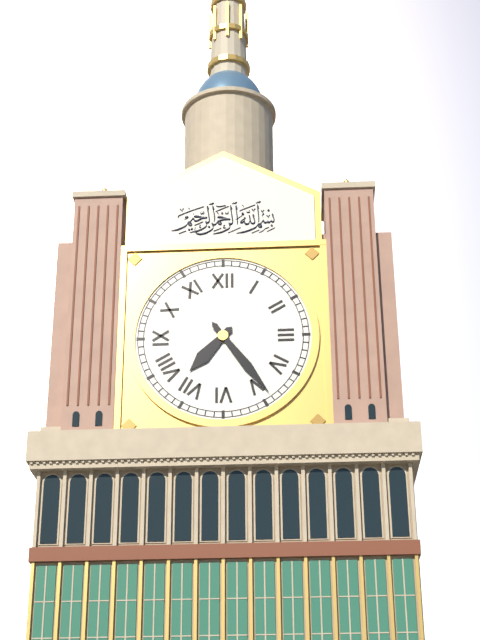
7:24
